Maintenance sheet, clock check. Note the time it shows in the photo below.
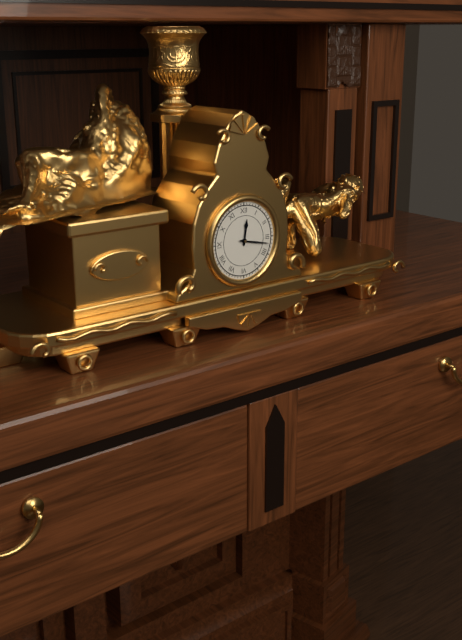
12:17
